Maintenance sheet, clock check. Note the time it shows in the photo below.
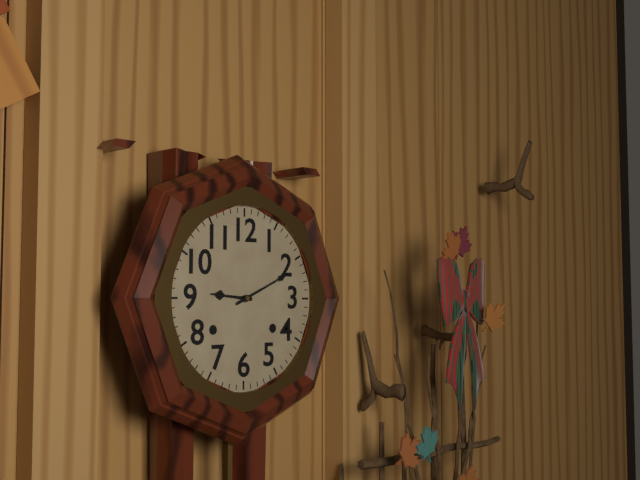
9:11
